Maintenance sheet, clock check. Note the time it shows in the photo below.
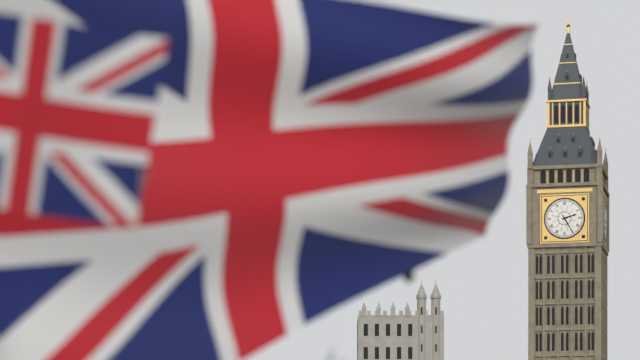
2:25
